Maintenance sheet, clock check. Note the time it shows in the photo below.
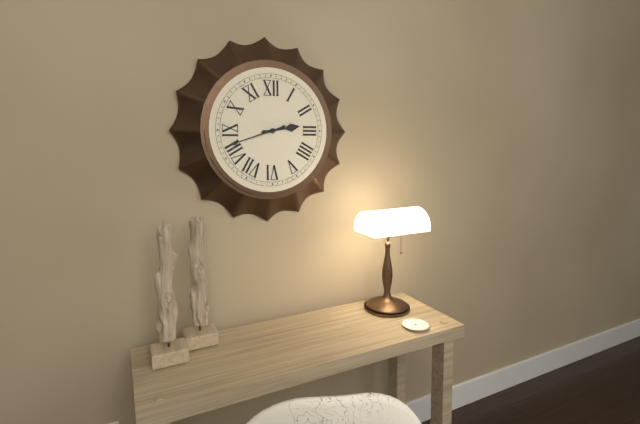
2:42
